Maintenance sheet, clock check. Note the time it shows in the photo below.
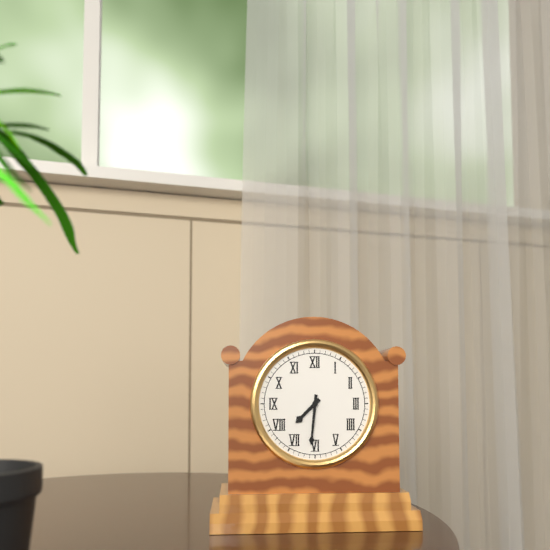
7:31
